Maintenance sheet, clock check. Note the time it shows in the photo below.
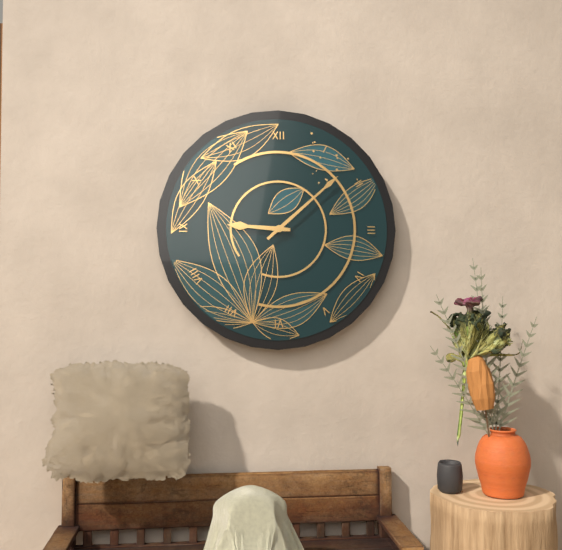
9:08
